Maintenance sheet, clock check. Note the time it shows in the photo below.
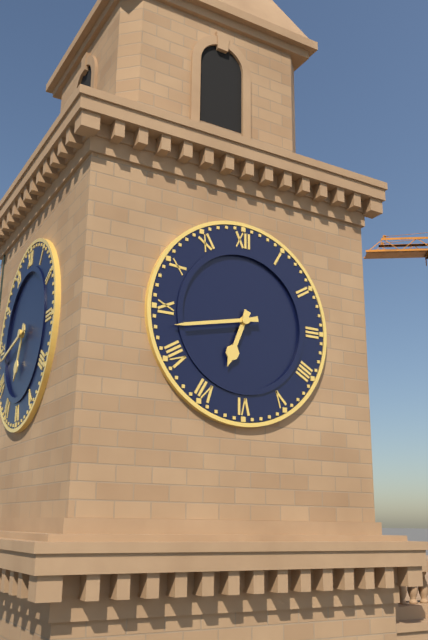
6:43
